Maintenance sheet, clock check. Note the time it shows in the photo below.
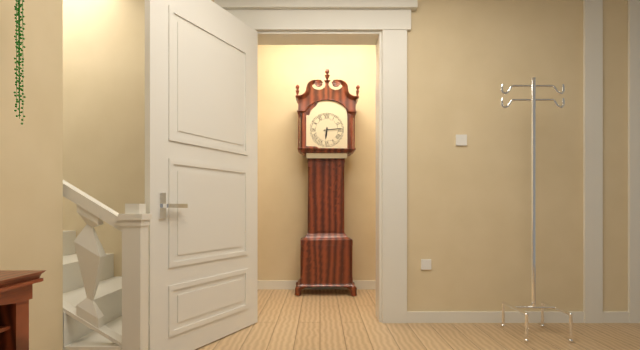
6:14
